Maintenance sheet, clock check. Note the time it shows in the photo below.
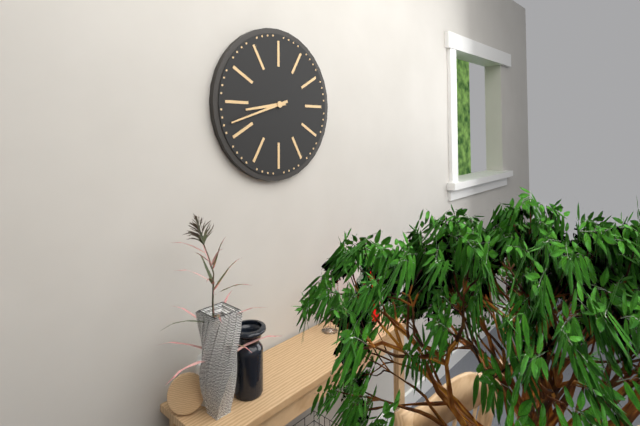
8:42
